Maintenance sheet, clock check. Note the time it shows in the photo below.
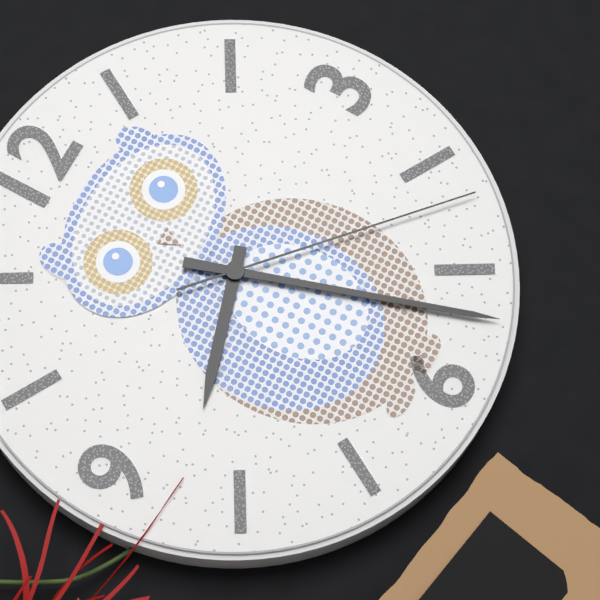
8:27:22
